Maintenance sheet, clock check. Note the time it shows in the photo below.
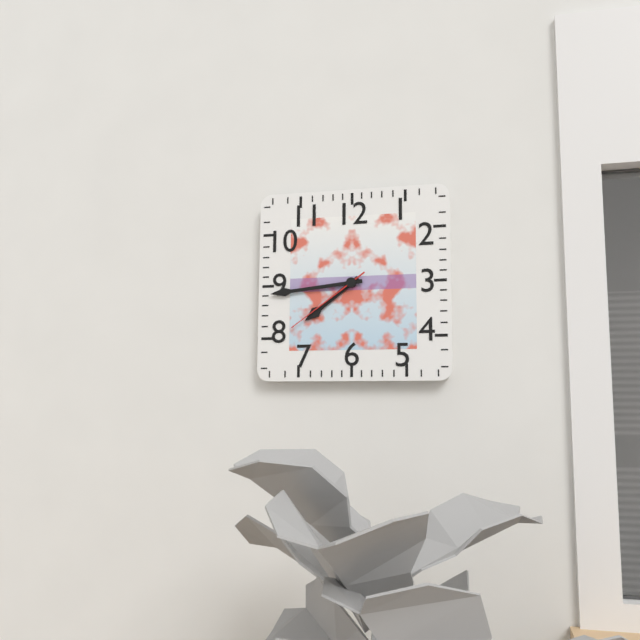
7:44:39
